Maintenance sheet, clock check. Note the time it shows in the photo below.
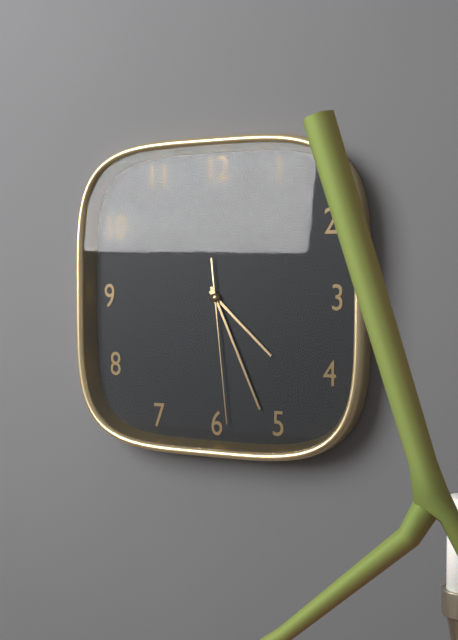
4:26:29
